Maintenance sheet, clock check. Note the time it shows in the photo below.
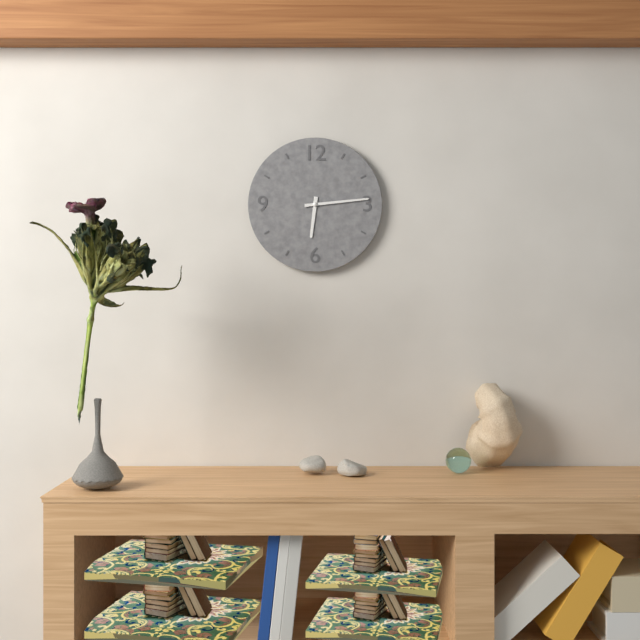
6:14
